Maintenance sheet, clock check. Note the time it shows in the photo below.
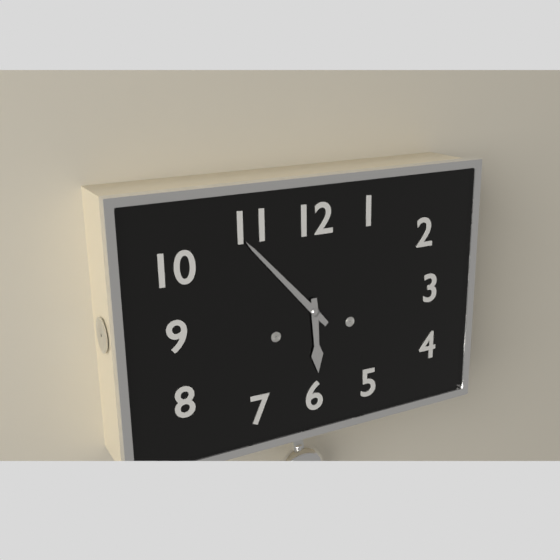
5:53
